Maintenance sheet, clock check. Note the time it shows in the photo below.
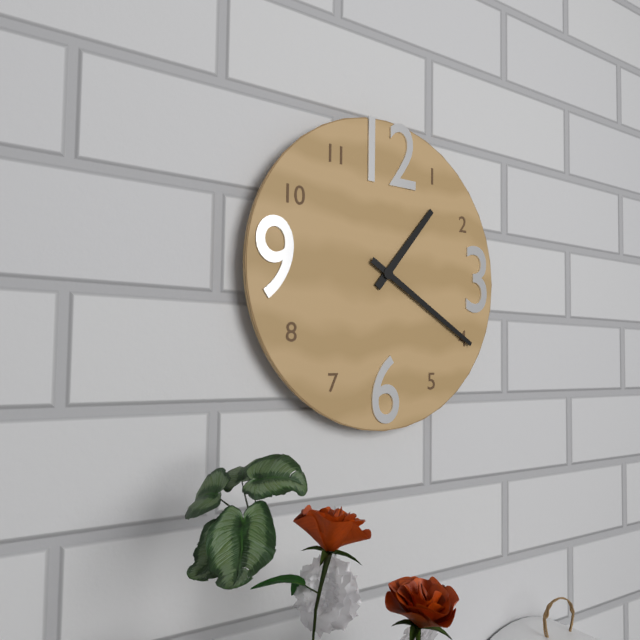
1:20
